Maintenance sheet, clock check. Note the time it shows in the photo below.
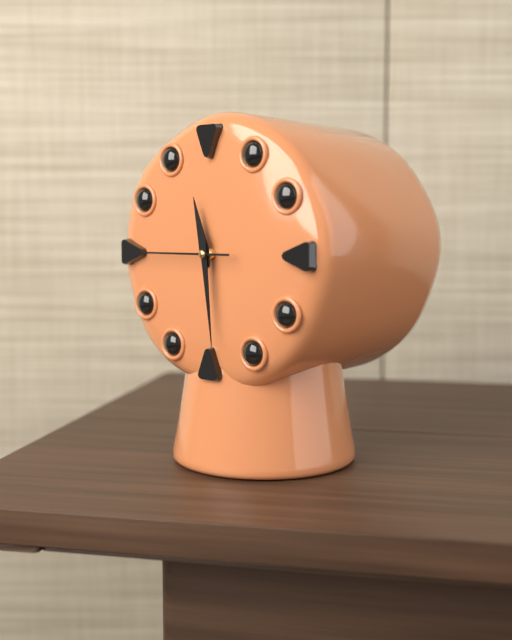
11:29:45
